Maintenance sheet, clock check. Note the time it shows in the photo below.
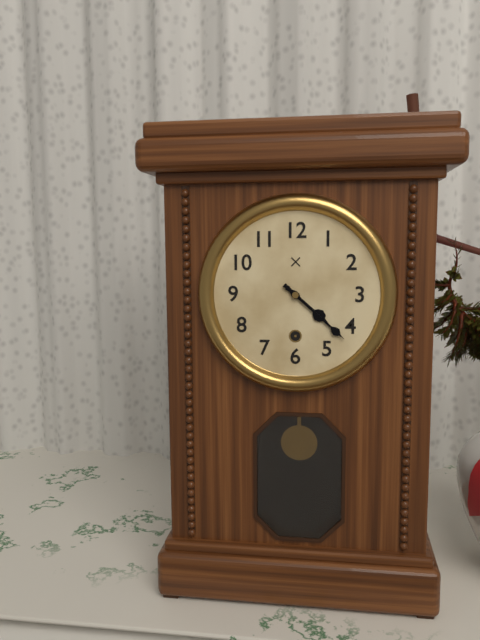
4:22
